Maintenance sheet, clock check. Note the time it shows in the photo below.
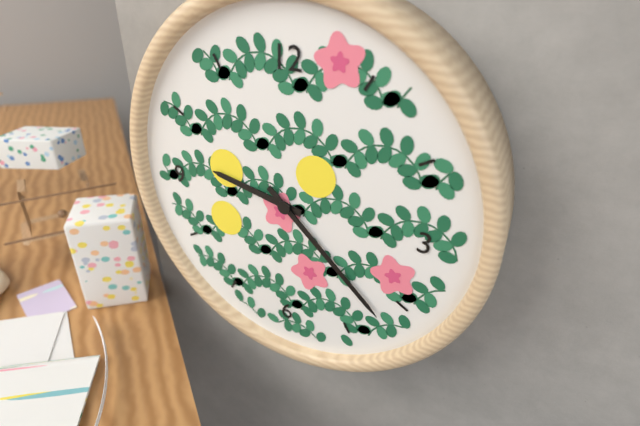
9:22
